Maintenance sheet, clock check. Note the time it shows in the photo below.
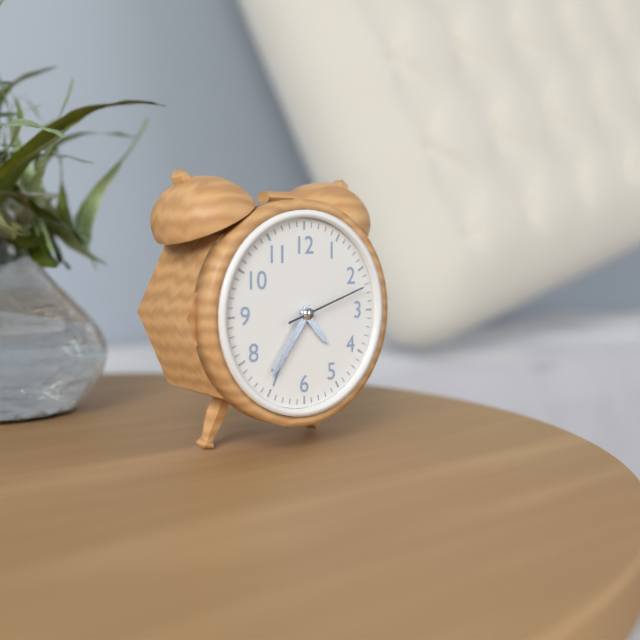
4:36:12
